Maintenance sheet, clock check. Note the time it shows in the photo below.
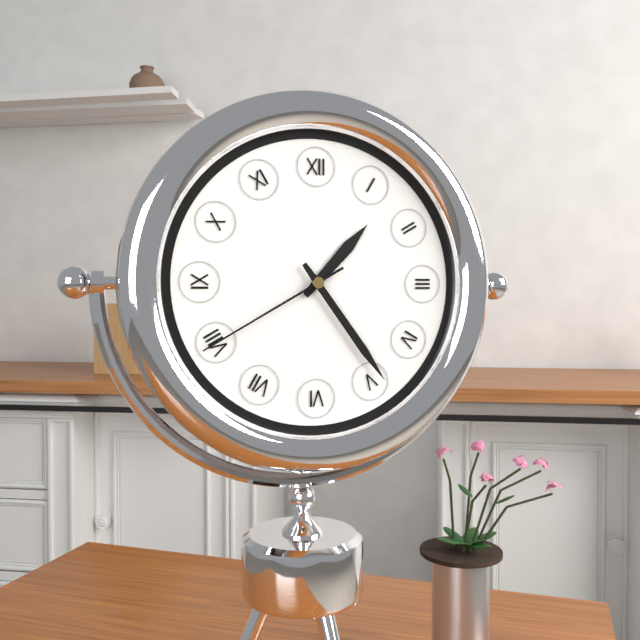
1:24:40
